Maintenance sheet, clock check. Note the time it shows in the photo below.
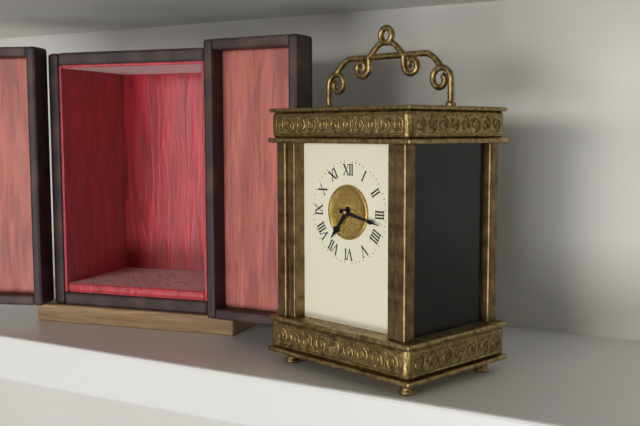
7:17
